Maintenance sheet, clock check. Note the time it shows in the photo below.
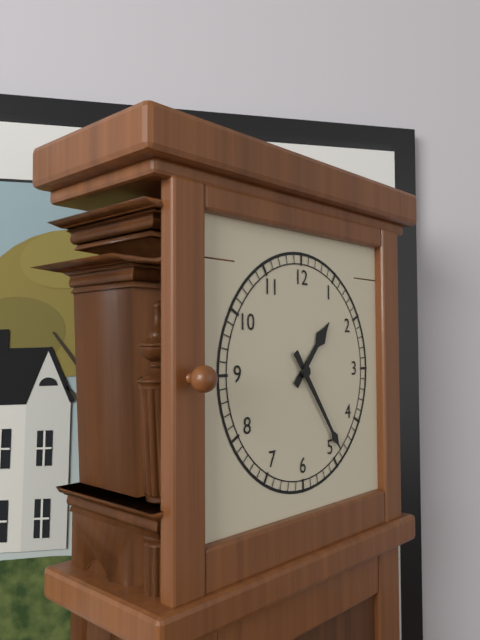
1:24
